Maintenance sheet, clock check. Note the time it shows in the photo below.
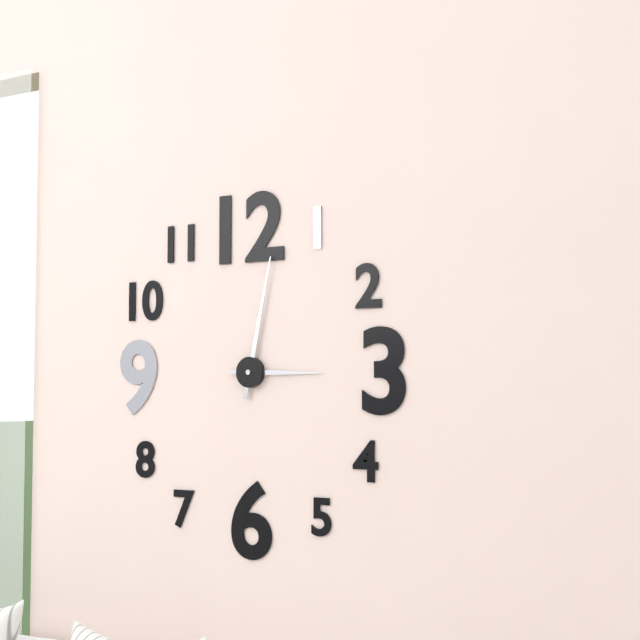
3:02
